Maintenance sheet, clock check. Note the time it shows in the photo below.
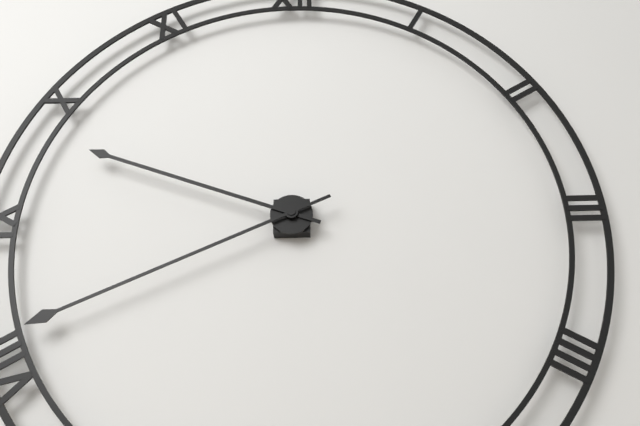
9:41
